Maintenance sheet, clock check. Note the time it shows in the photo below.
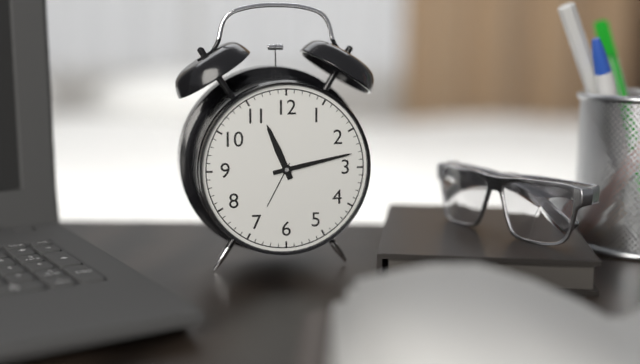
11:13
